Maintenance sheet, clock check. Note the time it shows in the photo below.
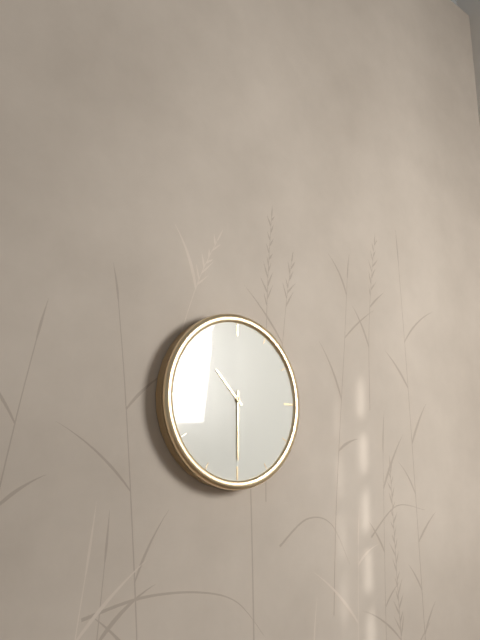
10:30
